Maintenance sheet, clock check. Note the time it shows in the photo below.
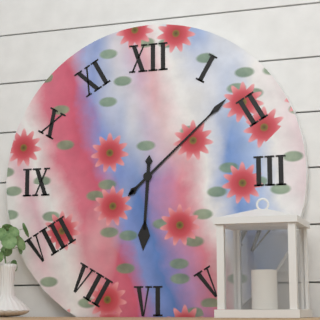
6:08
